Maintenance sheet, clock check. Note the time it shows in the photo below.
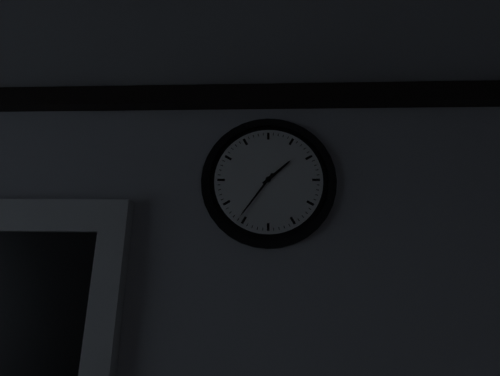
1:36
